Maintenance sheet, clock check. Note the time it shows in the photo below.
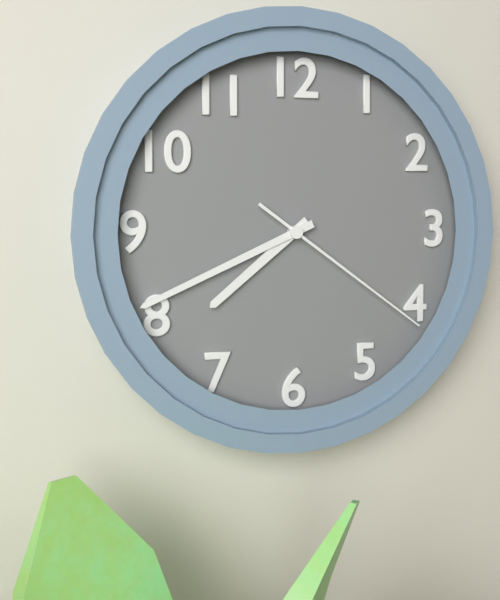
7:41:21
